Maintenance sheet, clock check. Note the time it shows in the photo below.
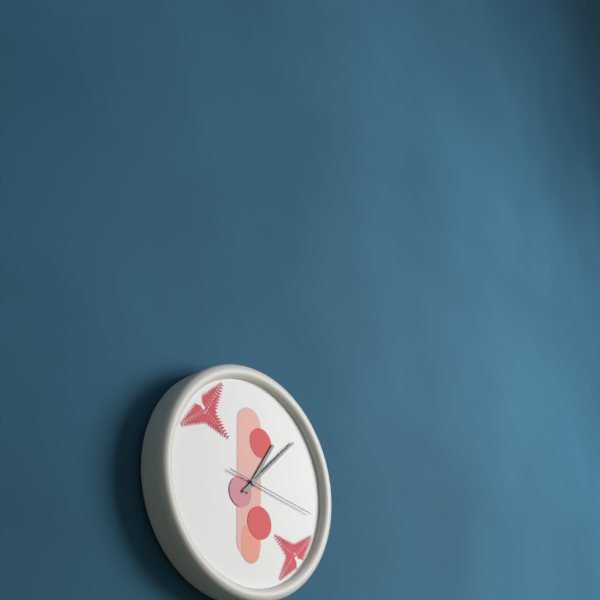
1:08:17
